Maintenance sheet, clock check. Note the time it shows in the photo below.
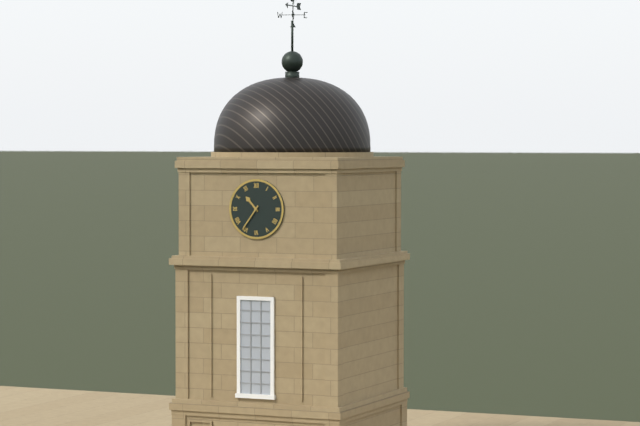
10:36
